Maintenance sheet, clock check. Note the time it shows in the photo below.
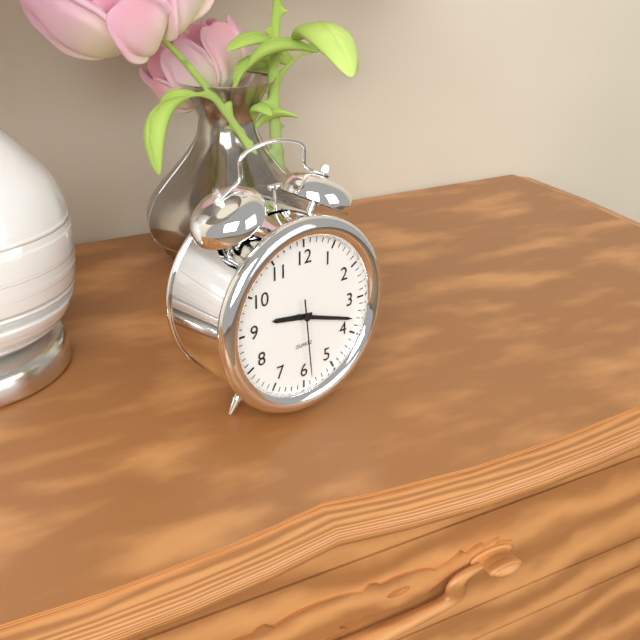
9:18:29
